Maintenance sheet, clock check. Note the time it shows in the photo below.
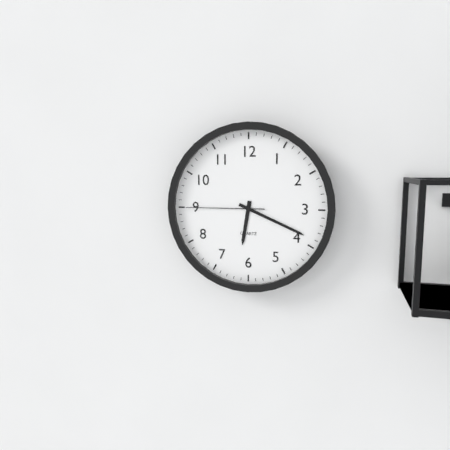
6:19:45
